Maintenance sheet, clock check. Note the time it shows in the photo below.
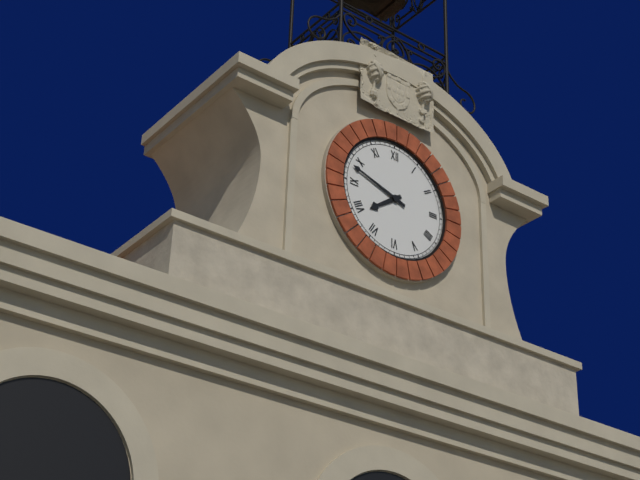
7:48
